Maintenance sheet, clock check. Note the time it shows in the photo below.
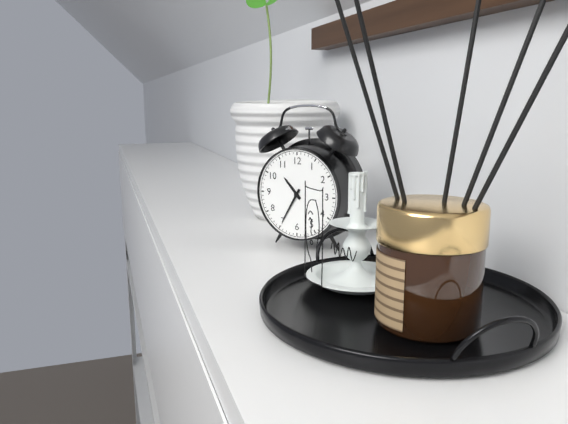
10:35
